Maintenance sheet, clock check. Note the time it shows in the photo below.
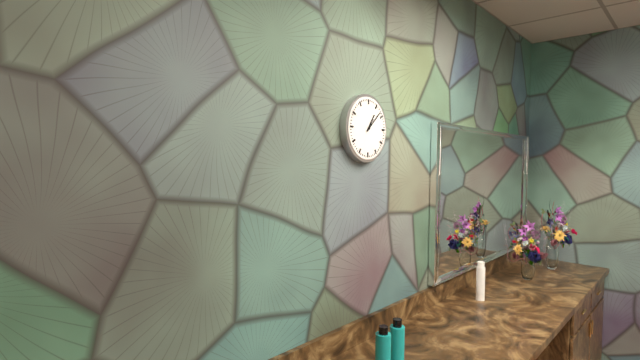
1:08
